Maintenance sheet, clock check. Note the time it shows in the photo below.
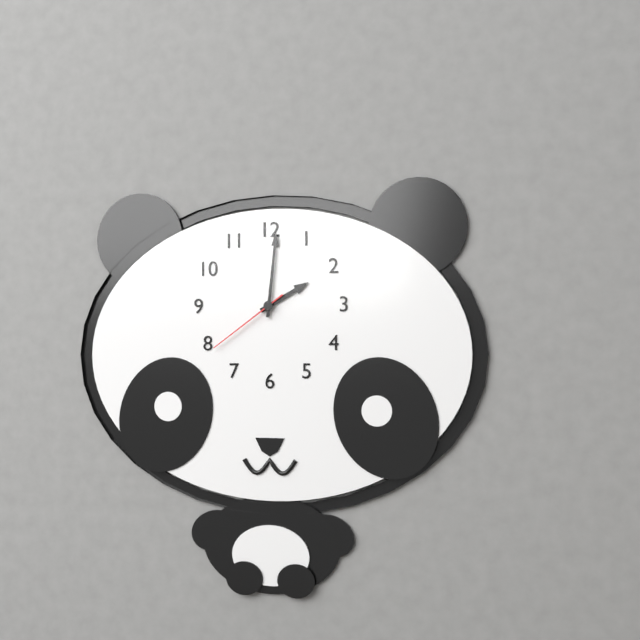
2:01:39
